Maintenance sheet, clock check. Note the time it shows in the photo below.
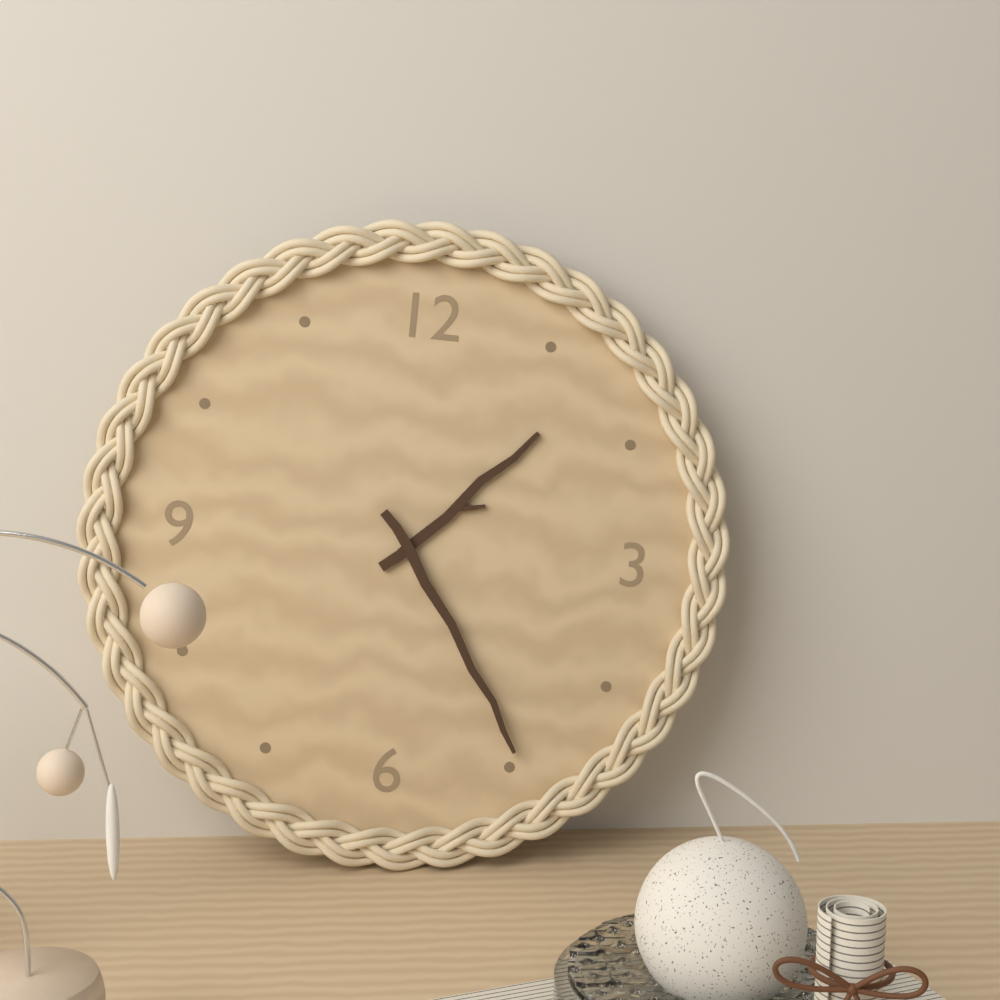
1:24
